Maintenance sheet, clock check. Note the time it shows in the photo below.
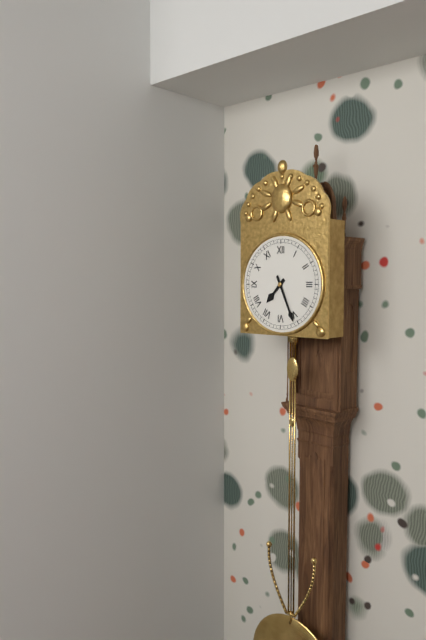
7:26
